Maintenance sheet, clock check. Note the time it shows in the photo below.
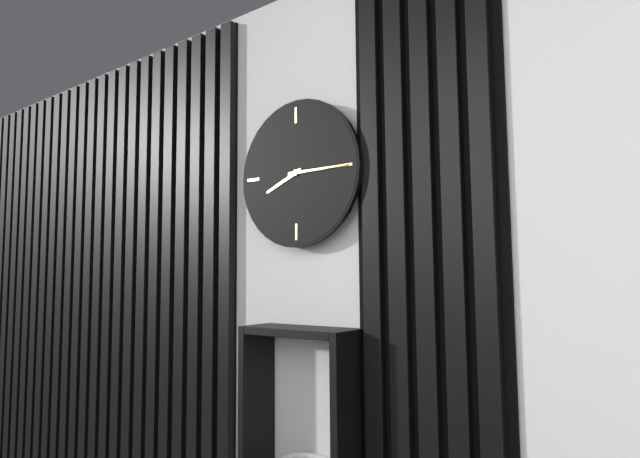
8:15
